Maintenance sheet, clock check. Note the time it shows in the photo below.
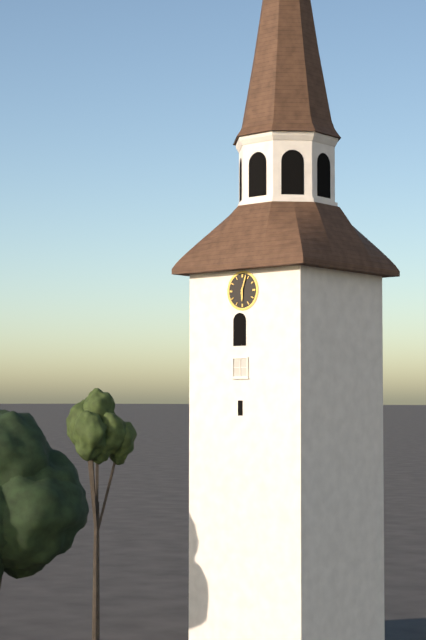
6:03
